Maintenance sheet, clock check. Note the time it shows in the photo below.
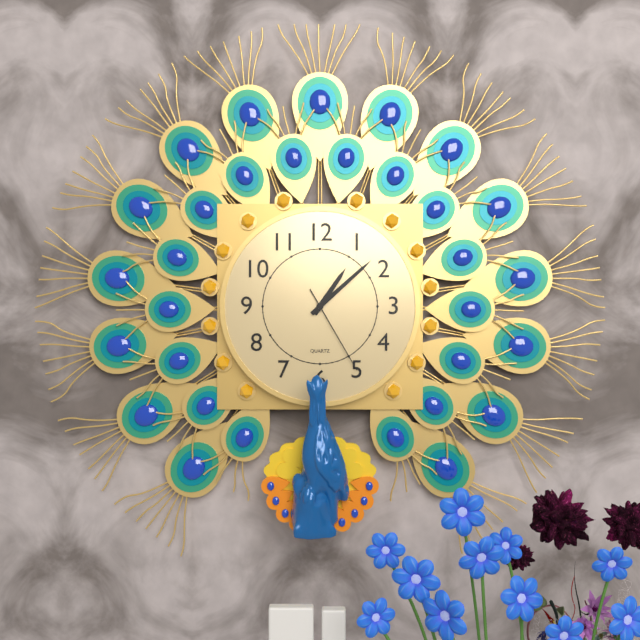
1:08:25
